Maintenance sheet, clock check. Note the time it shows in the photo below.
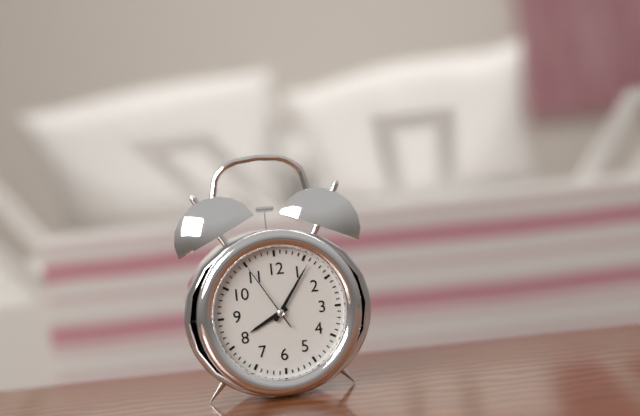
8:06:55
